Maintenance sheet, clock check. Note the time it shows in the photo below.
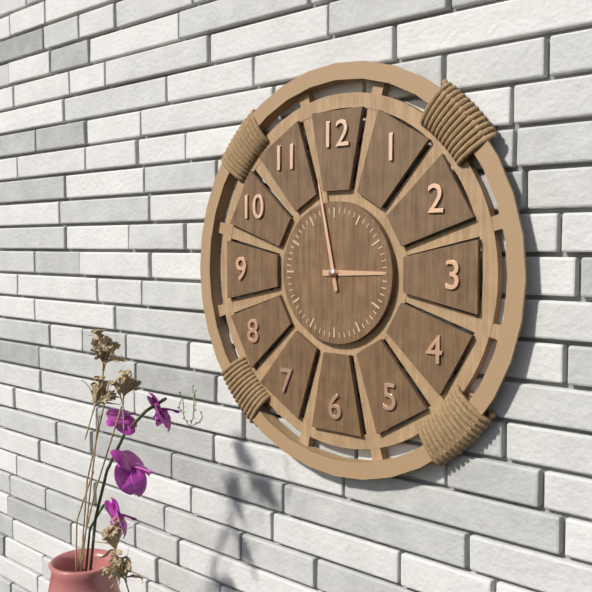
2:58
